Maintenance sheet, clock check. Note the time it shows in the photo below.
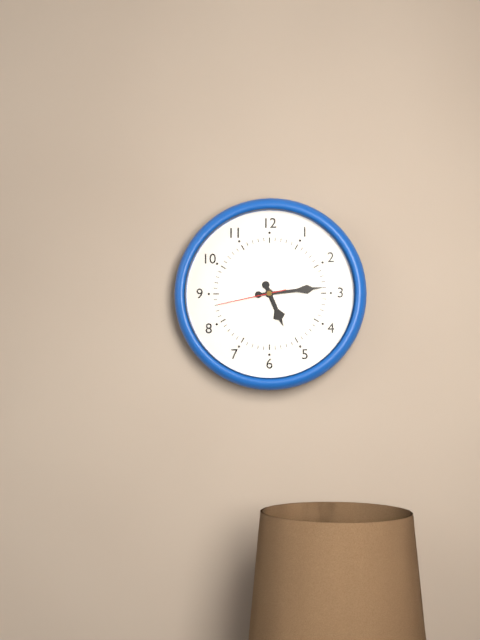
5:14:43
